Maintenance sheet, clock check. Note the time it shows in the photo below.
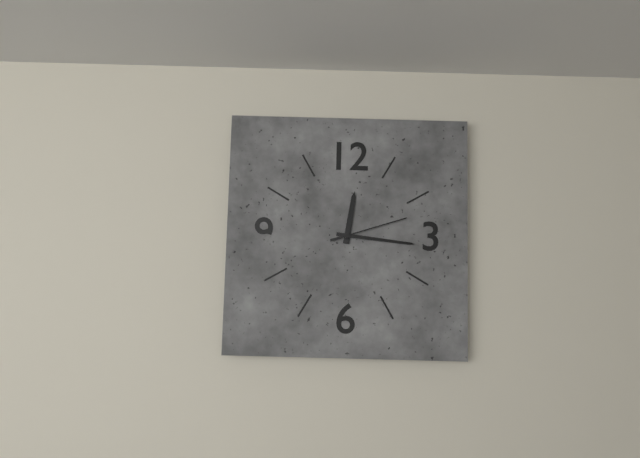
12:16:12
